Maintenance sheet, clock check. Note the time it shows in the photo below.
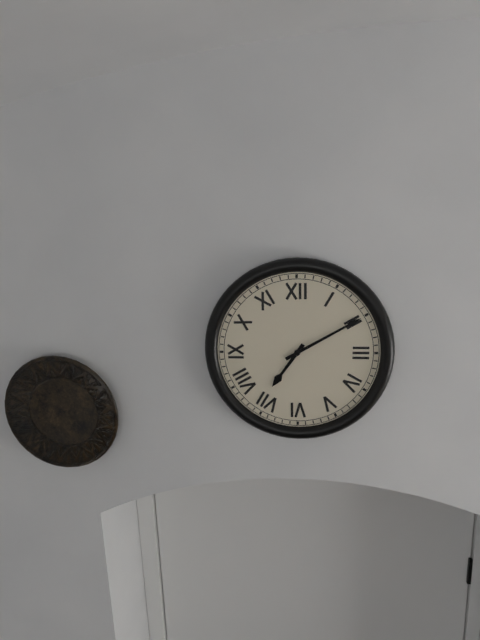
7:10
